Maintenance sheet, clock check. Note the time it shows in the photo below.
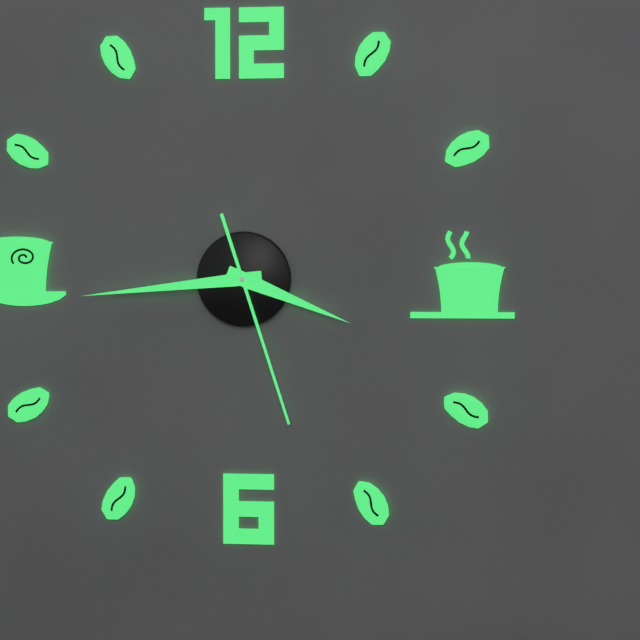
3:44:27
